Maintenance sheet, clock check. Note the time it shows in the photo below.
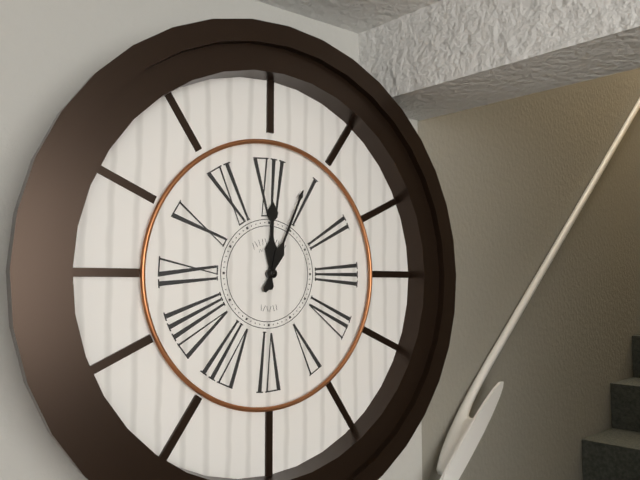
12:04
